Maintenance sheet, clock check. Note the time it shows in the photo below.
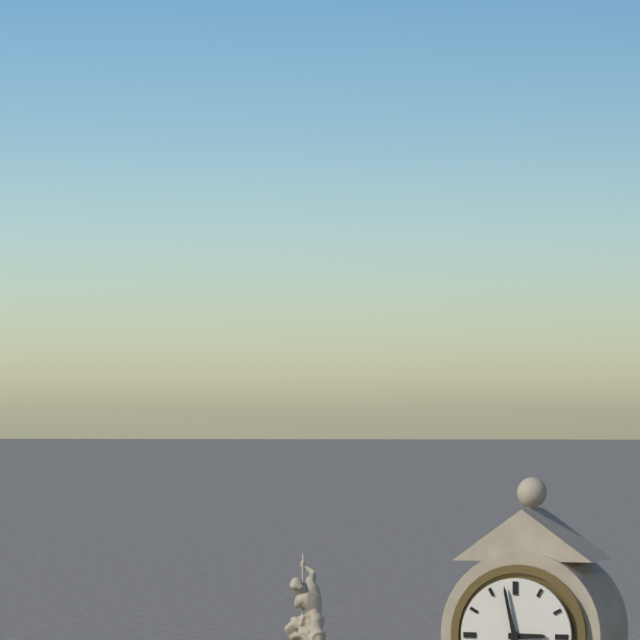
2:58
